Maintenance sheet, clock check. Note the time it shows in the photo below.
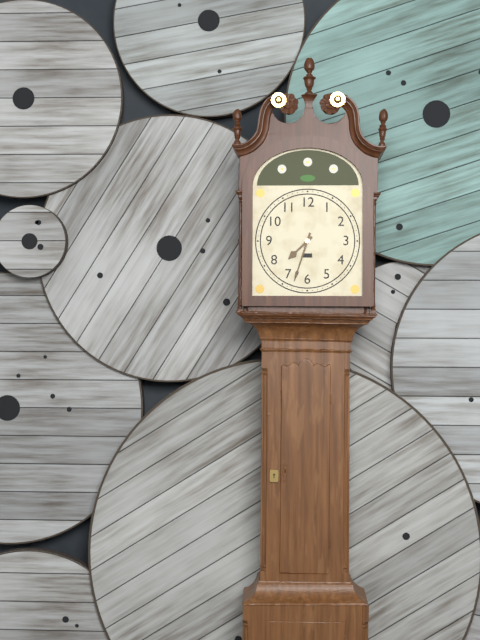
7:33
